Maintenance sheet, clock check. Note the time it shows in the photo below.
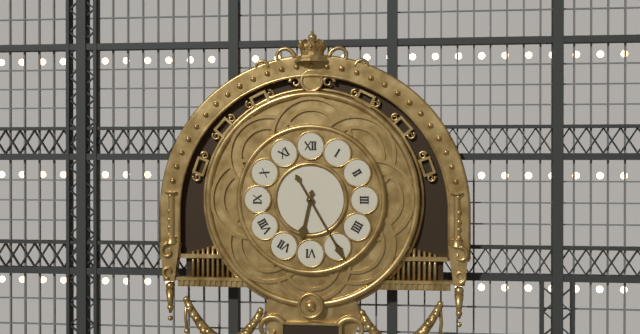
6:25
